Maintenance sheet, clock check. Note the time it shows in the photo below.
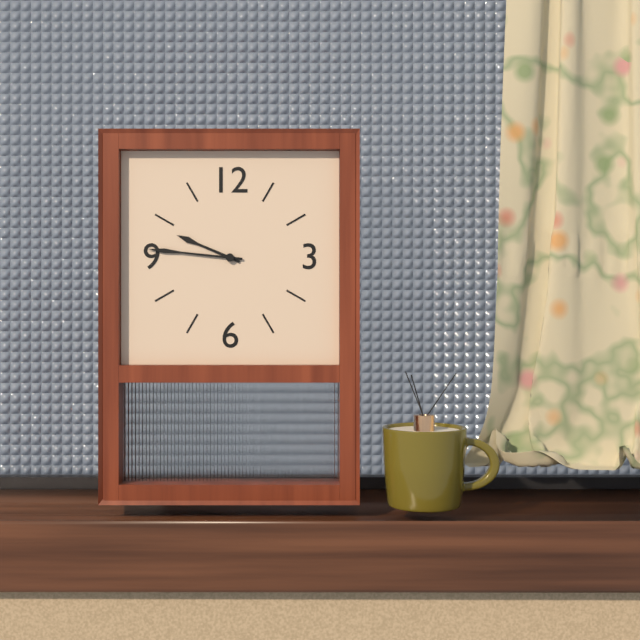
9:46
